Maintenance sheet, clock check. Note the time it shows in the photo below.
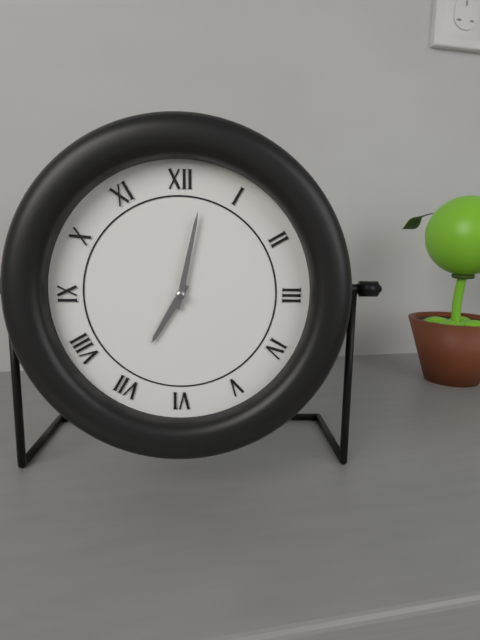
7:02
